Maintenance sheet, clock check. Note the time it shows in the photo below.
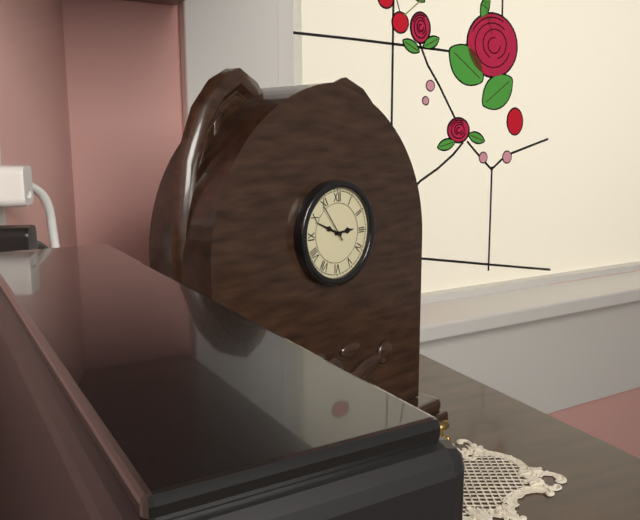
2:49
